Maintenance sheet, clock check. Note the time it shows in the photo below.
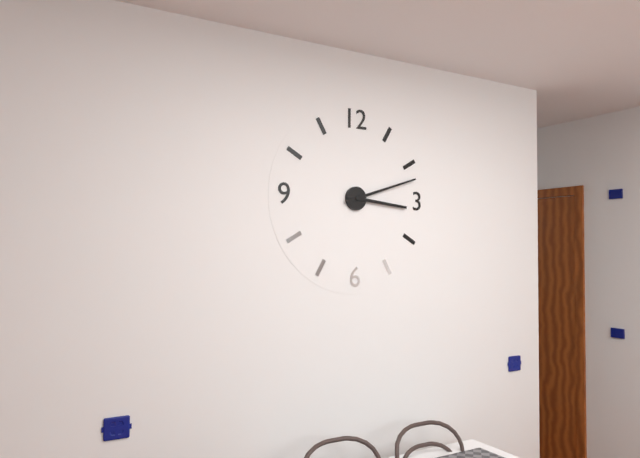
3:12
